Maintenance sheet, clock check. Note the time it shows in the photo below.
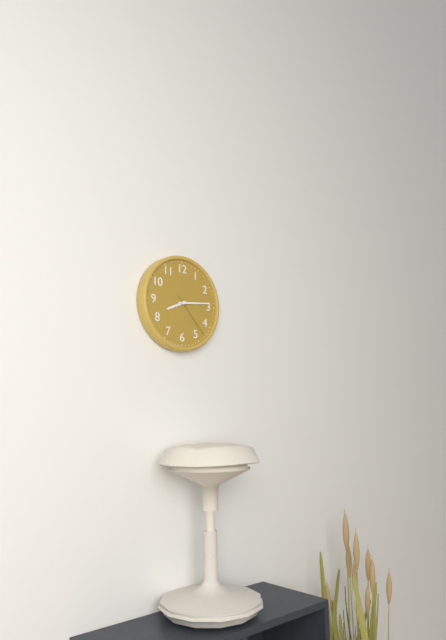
8:14
